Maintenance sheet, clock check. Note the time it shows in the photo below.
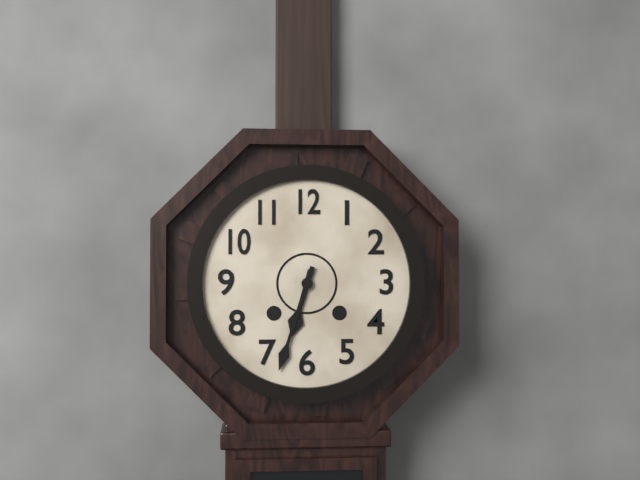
6:33
